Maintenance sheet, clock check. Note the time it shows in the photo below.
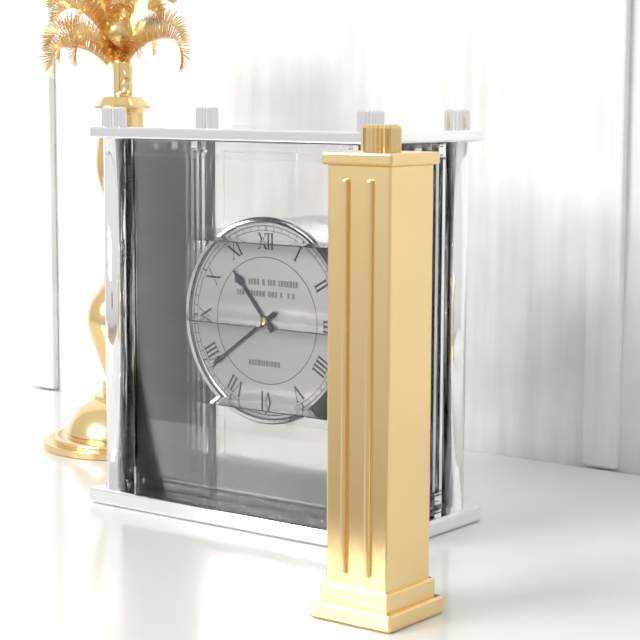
10:39
